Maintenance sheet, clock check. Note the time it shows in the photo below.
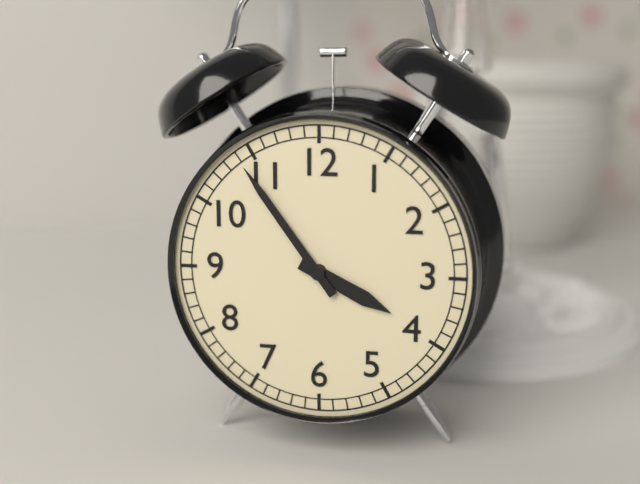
3:54
